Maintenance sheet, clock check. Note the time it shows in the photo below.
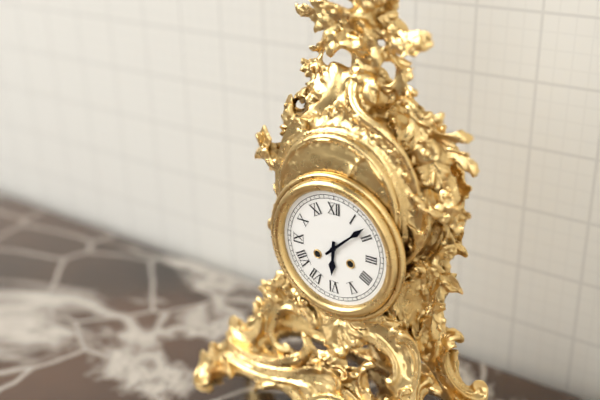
6:08
